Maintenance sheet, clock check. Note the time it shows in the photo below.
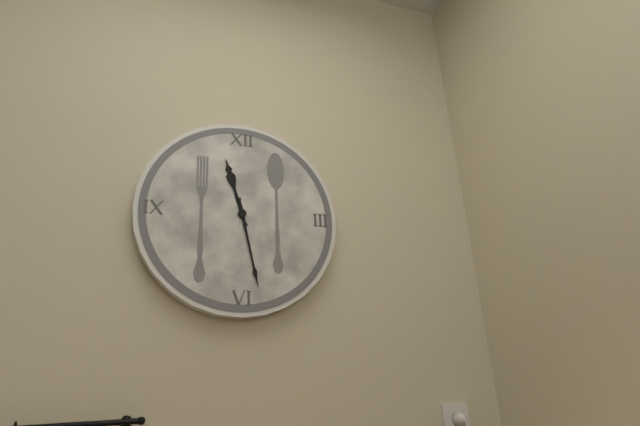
11:28
